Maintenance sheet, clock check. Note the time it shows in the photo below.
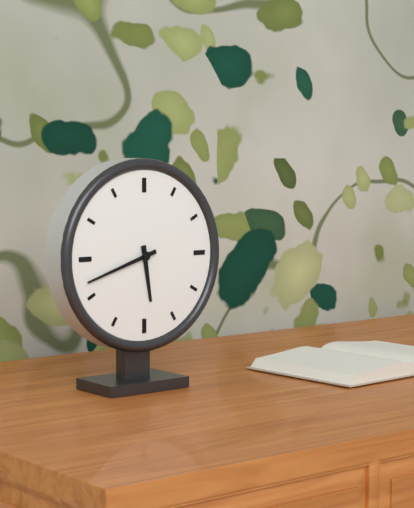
5:42
